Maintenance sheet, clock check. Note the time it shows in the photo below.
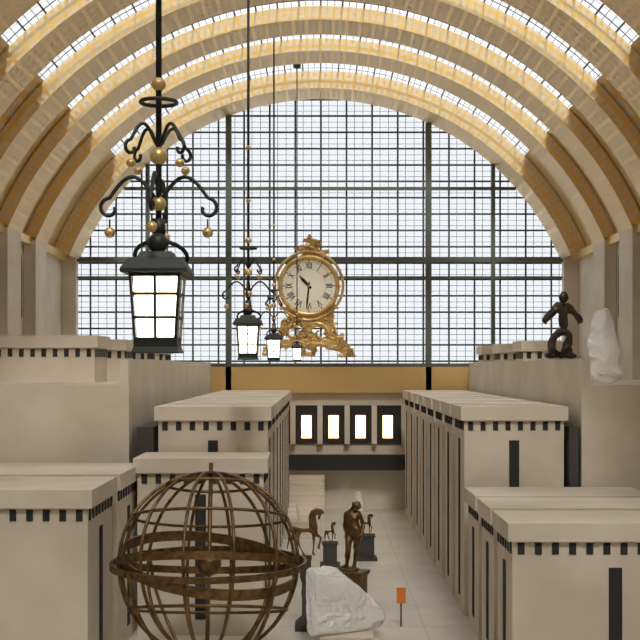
10:31
